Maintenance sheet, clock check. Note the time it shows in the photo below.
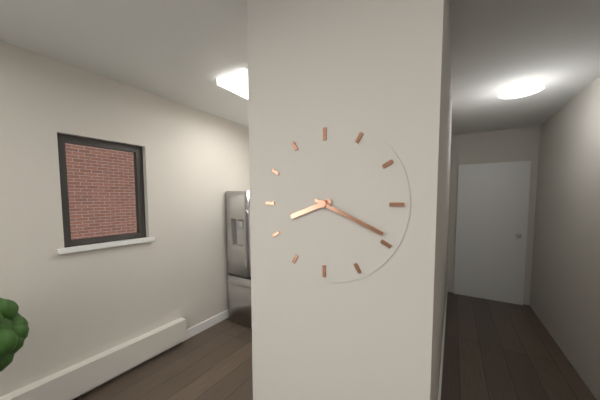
8:19
